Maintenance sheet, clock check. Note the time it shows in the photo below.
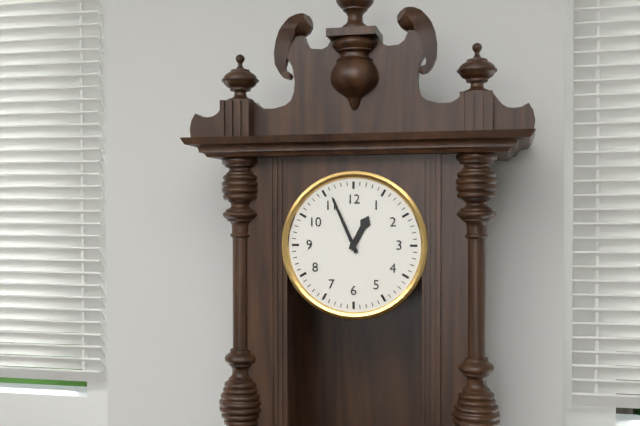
12:56
